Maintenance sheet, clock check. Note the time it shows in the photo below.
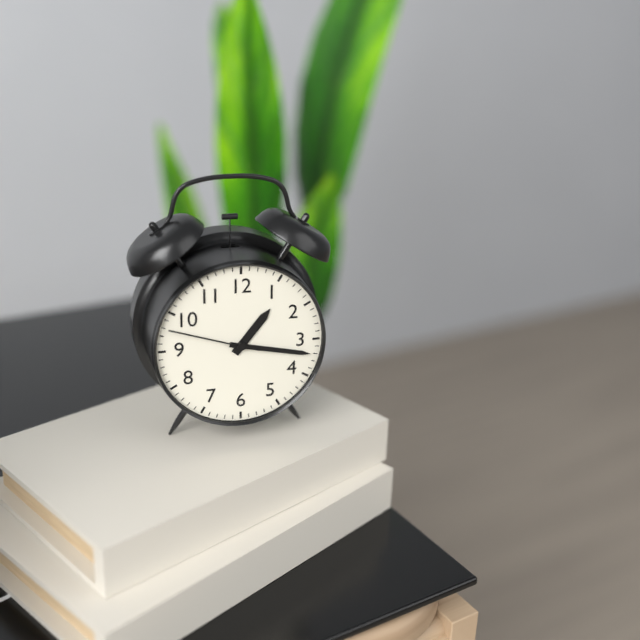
1:17:48
